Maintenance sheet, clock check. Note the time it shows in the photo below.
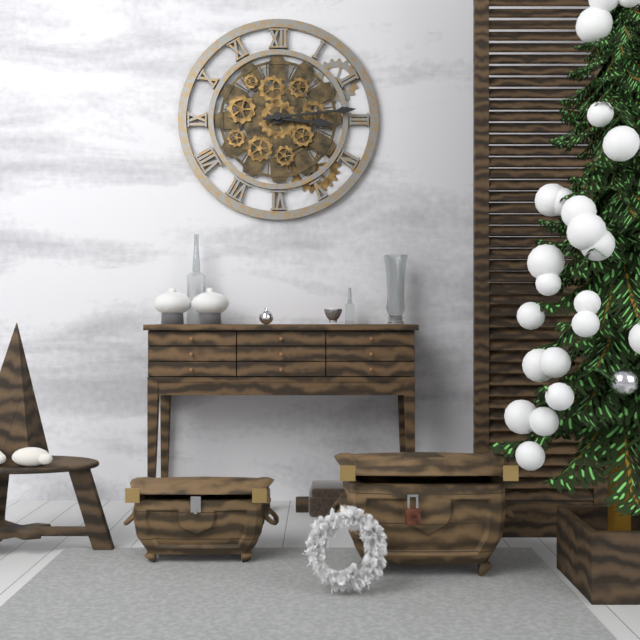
3:14
